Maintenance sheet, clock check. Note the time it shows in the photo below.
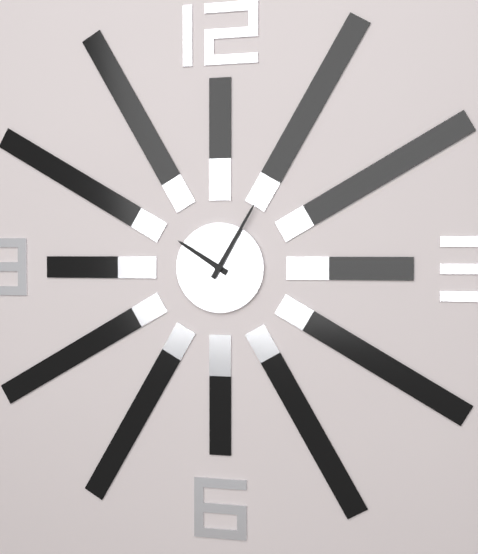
10:05
